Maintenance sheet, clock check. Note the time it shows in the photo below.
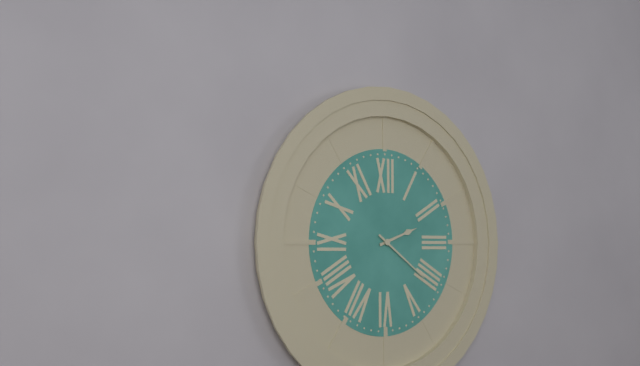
2:21
